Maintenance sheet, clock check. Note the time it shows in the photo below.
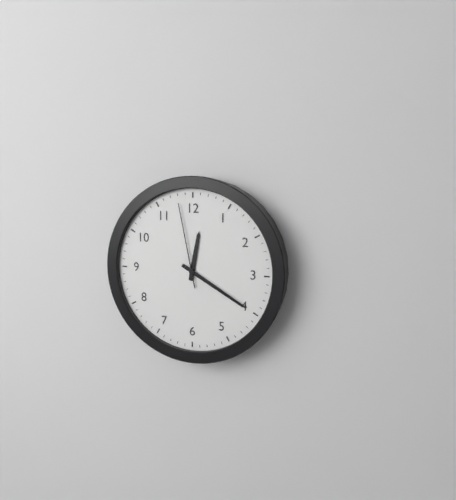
12:20:58
